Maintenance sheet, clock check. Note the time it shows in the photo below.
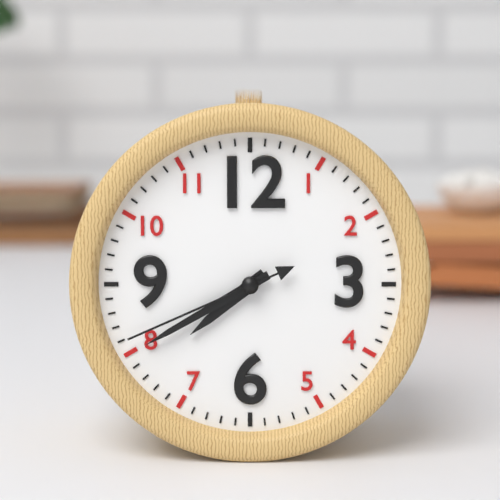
7:40:41
